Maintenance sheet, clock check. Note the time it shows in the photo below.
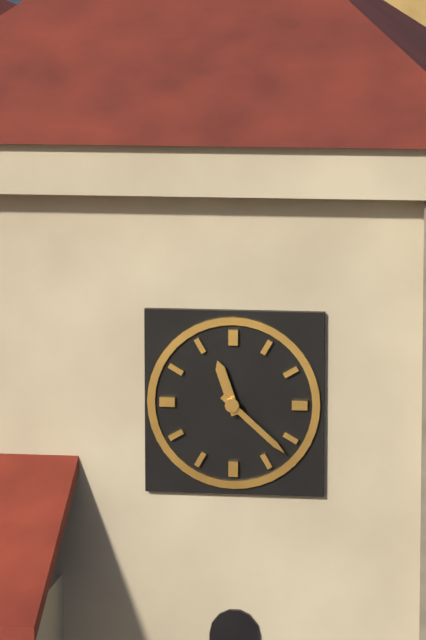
11:22
